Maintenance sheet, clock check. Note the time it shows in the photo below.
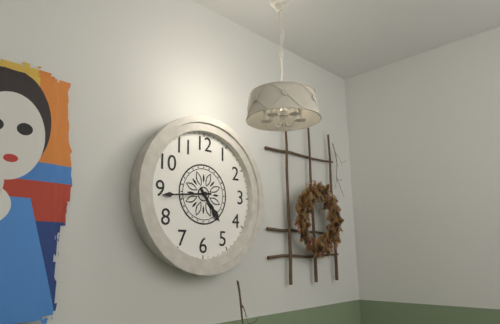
4:44
